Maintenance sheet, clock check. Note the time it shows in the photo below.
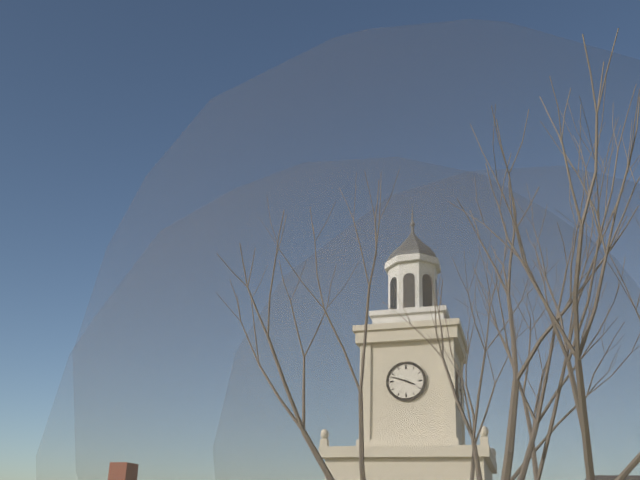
3:48
